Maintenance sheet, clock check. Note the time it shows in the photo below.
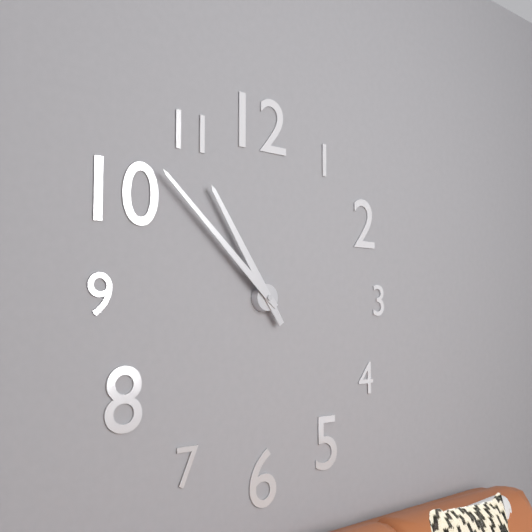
10:52
